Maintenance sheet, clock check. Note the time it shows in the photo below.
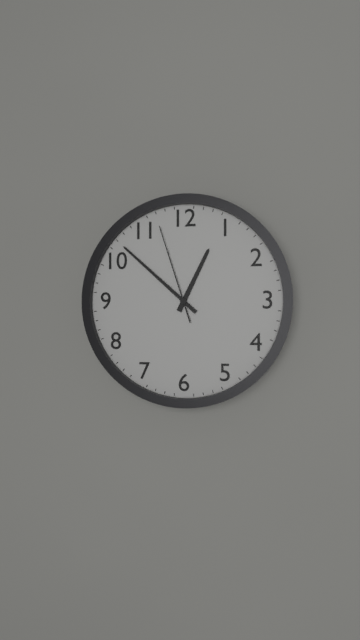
12:52:57
